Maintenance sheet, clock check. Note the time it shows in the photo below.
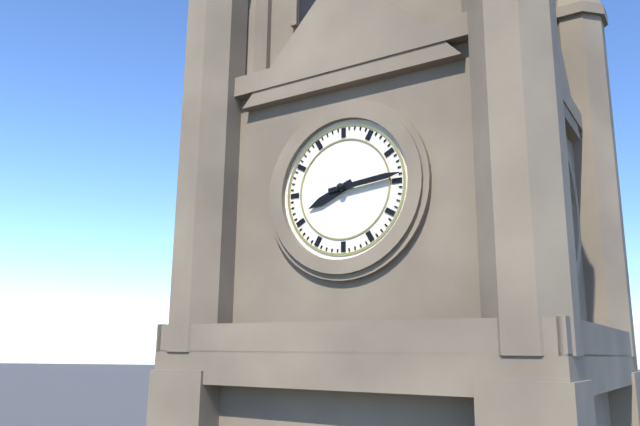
8:14
